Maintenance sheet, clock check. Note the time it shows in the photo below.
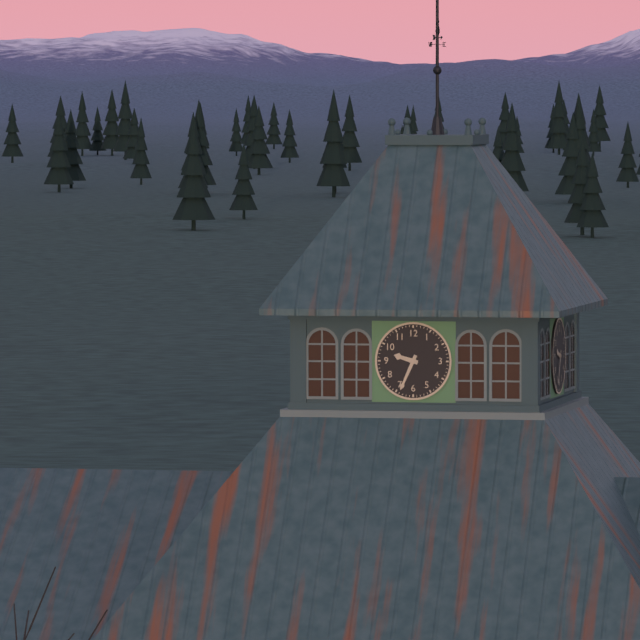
9:34
